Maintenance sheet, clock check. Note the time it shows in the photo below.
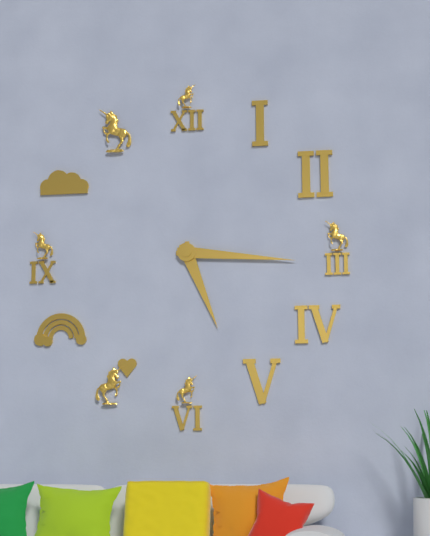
5:16
